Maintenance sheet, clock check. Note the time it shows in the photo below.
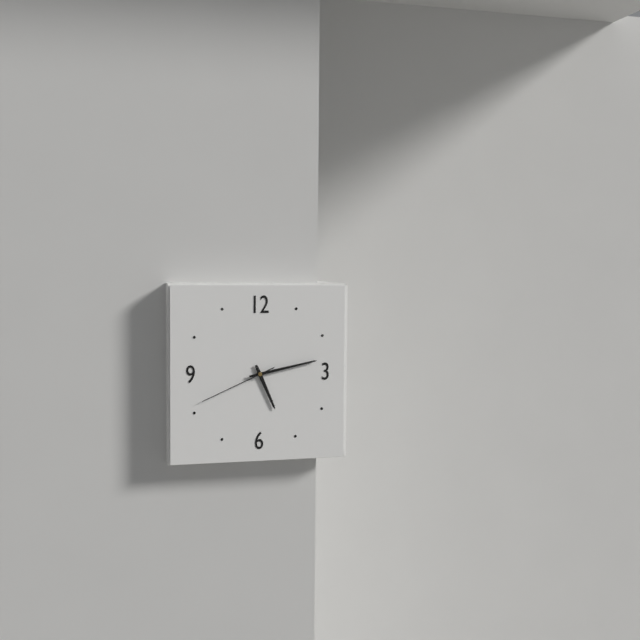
5:13:41
